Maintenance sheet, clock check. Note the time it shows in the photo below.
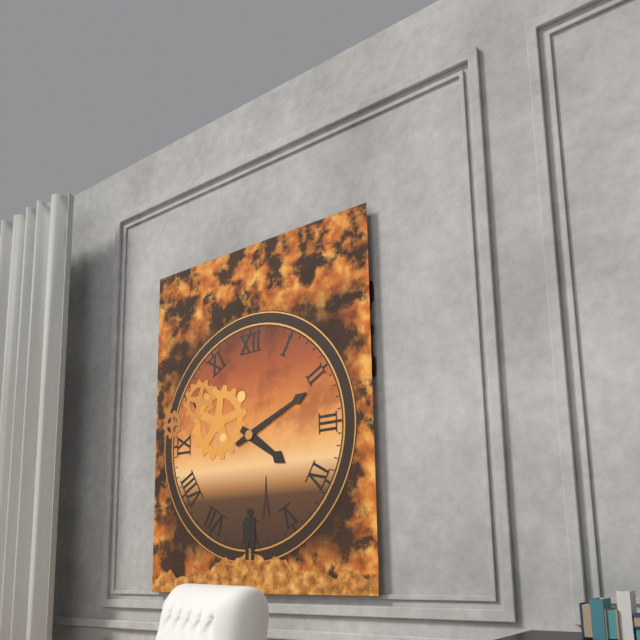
4:11
